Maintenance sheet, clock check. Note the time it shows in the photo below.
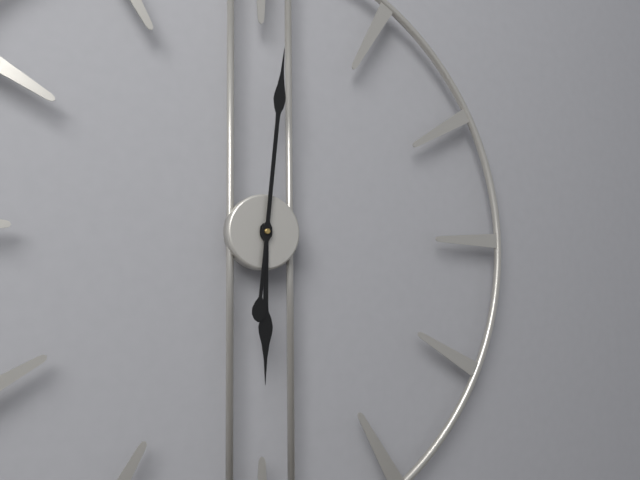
6:01
